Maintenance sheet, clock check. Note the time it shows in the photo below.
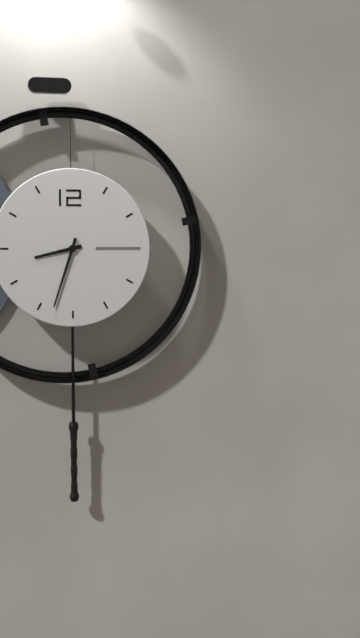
8:33
